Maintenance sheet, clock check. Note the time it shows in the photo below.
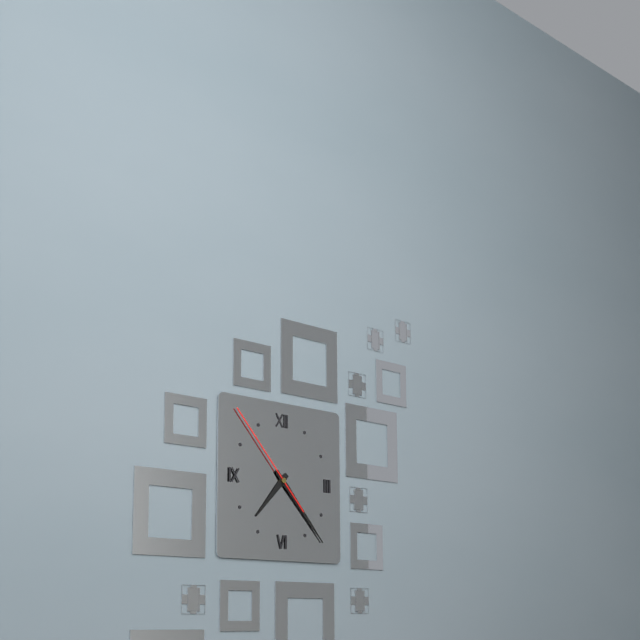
7:23:53
